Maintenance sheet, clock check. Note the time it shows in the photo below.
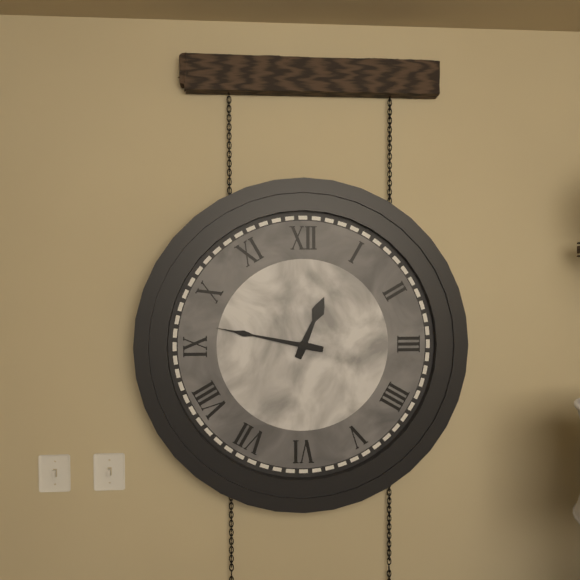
12:47
